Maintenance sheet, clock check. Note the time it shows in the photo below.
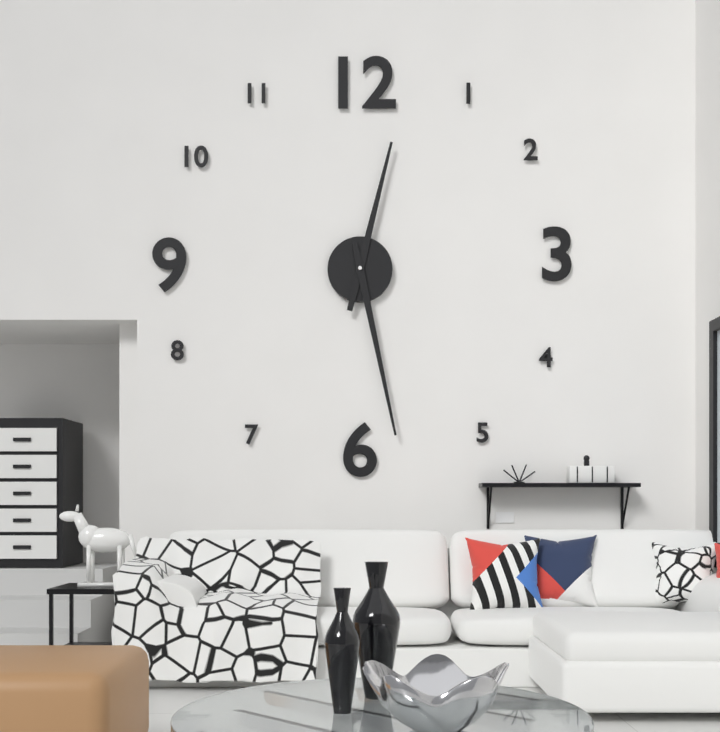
12:28
